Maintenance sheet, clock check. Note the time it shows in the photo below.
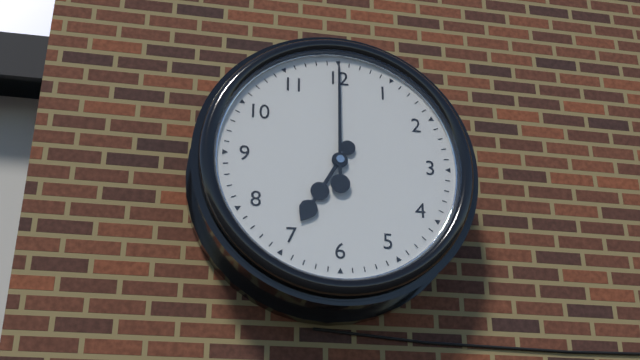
7:00
